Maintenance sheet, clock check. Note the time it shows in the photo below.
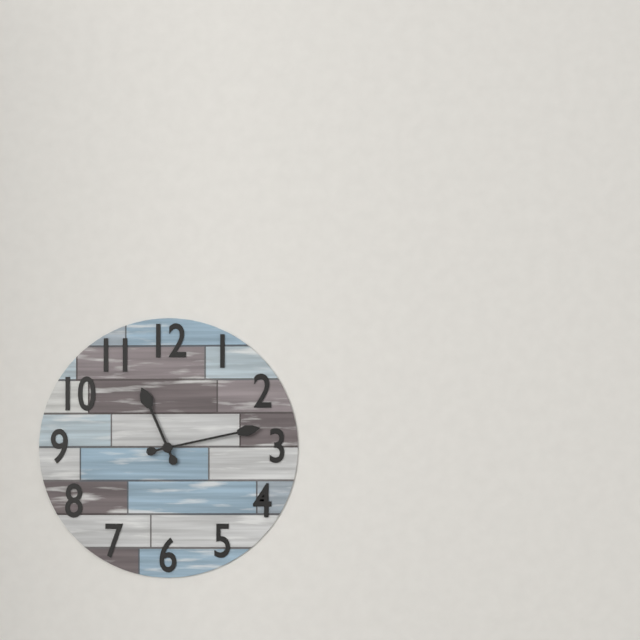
11:13
